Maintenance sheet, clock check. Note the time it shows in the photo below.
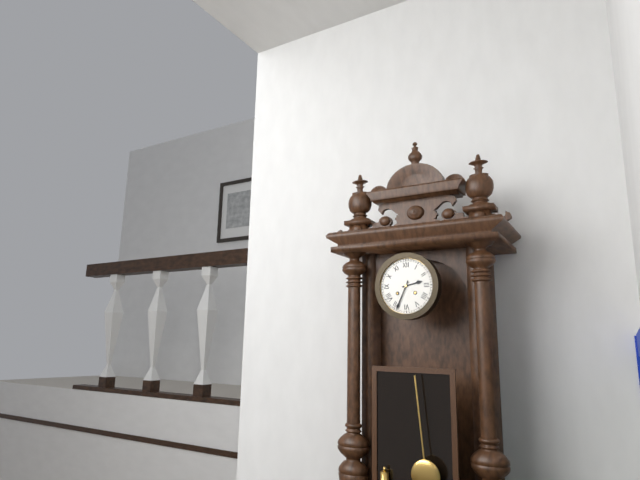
2:34
